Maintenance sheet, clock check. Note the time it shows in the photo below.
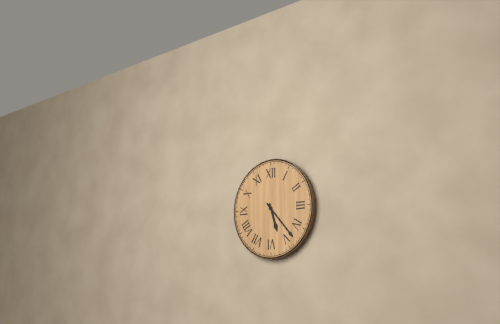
5:23
